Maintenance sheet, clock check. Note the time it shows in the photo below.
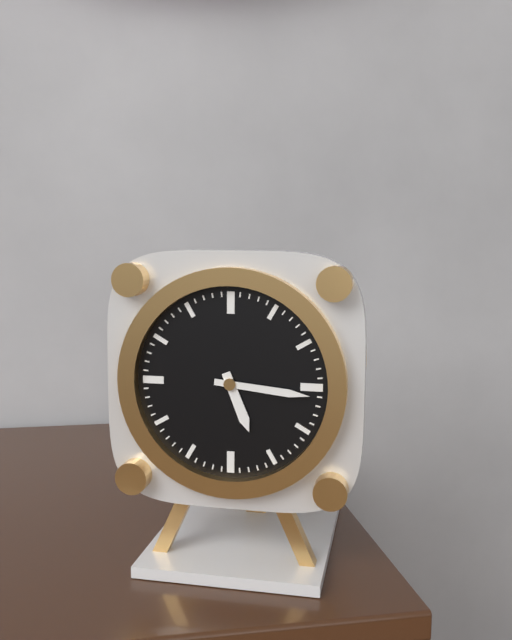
5:16
